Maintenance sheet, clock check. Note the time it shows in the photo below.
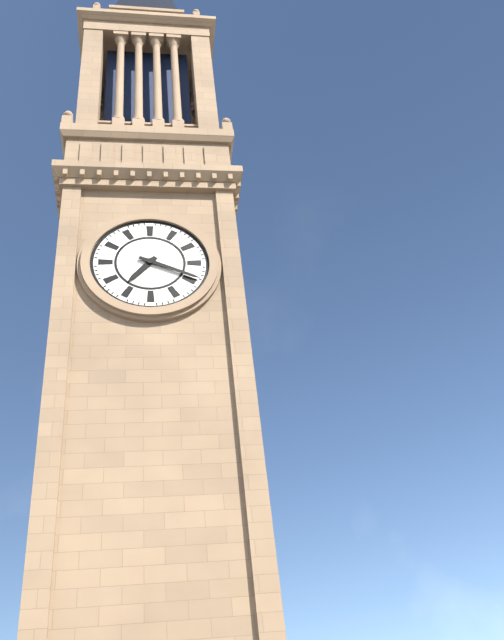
7:19
